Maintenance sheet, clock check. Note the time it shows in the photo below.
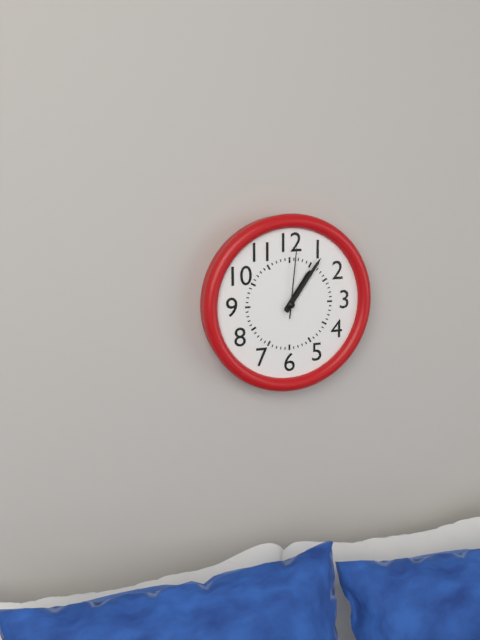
1:06:01
